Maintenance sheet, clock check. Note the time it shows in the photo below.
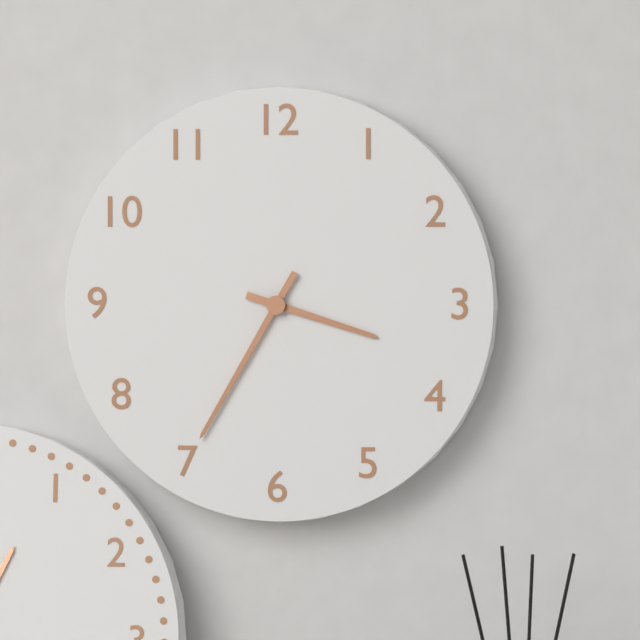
3:35
